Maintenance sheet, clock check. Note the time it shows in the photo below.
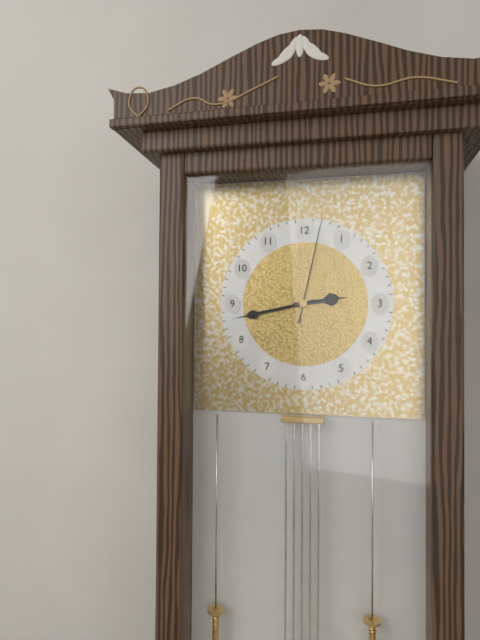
2:43:02
